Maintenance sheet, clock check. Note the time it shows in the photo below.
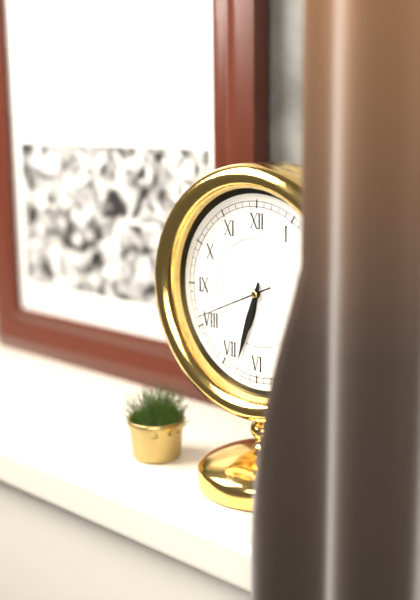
6:33:41
